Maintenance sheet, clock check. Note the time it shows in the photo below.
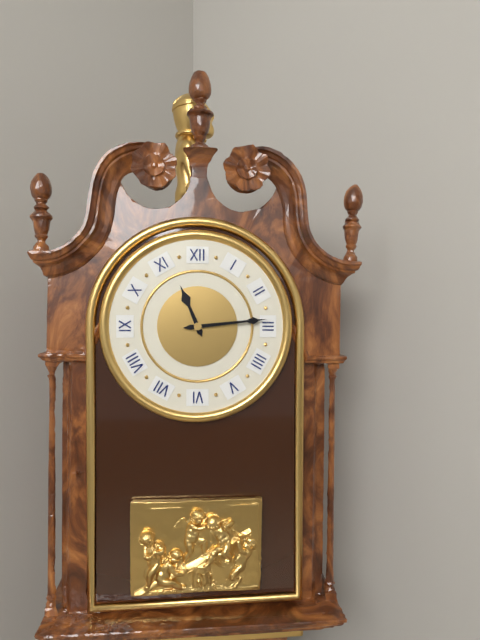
11:14
